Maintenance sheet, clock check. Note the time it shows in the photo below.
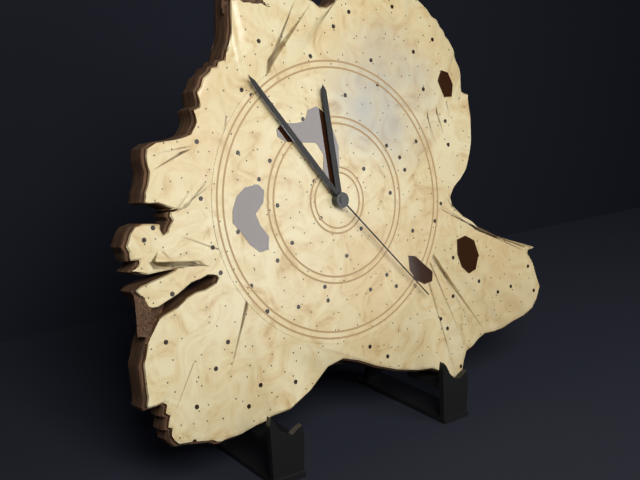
11:54:23
